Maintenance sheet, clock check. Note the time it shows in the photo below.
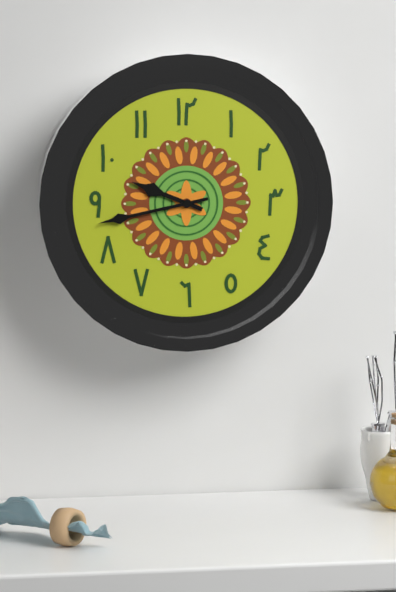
9:43
